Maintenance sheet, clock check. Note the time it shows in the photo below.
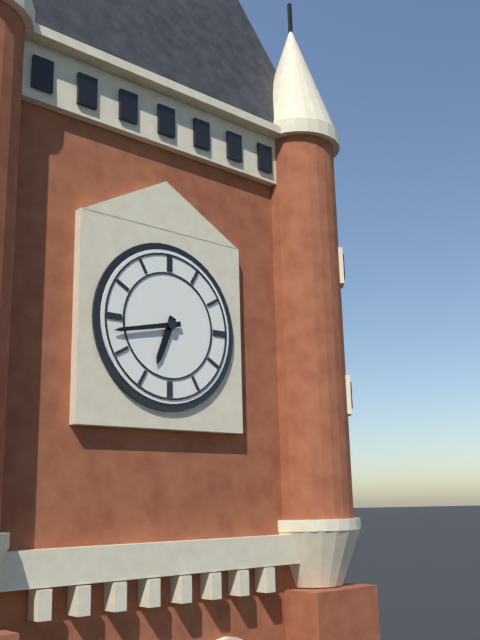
6:43
